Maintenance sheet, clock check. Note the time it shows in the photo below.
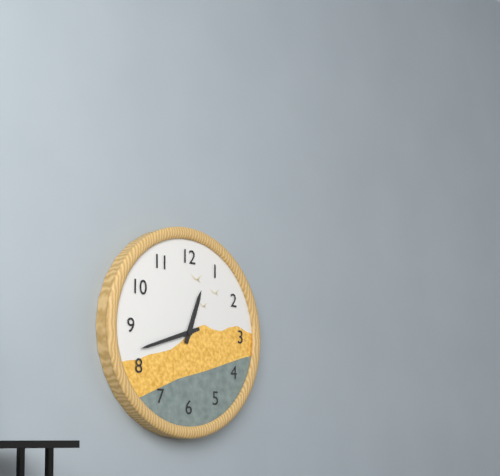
12:42
